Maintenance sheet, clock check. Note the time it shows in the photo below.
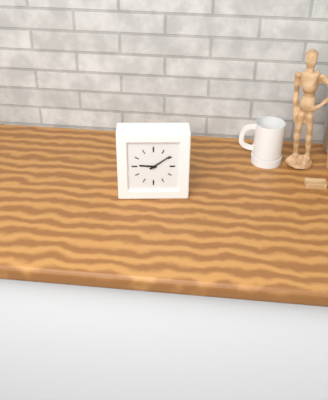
9:09
